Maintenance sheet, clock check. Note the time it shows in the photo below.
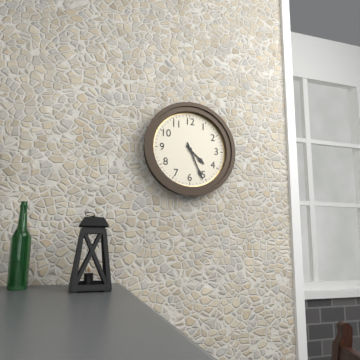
4:26
